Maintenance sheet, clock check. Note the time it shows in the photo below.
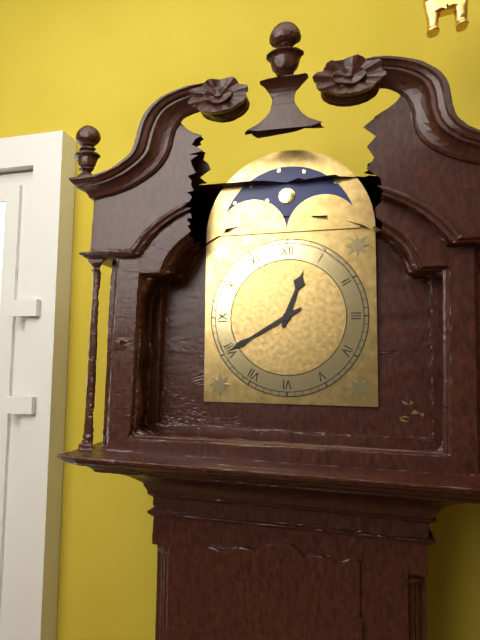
12:40
